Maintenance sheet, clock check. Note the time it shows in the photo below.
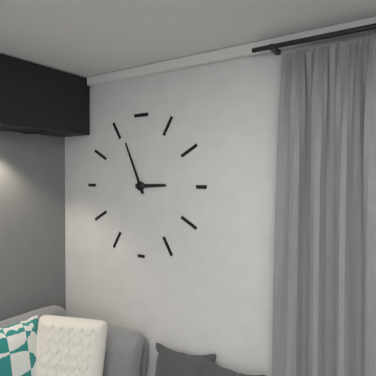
2:56
